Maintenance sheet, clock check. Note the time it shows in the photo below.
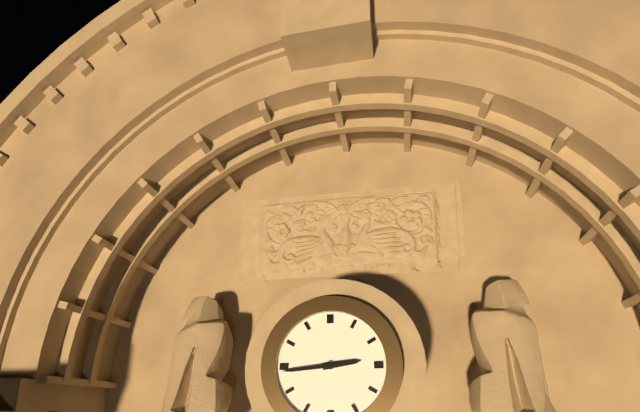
2:44
